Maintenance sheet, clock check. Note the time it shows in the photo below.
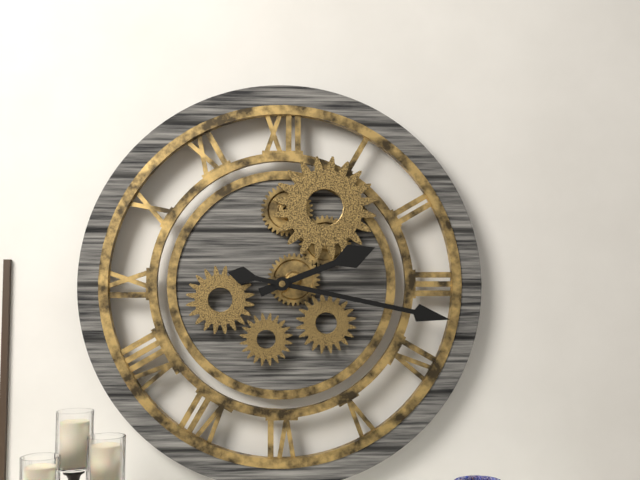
2:17
